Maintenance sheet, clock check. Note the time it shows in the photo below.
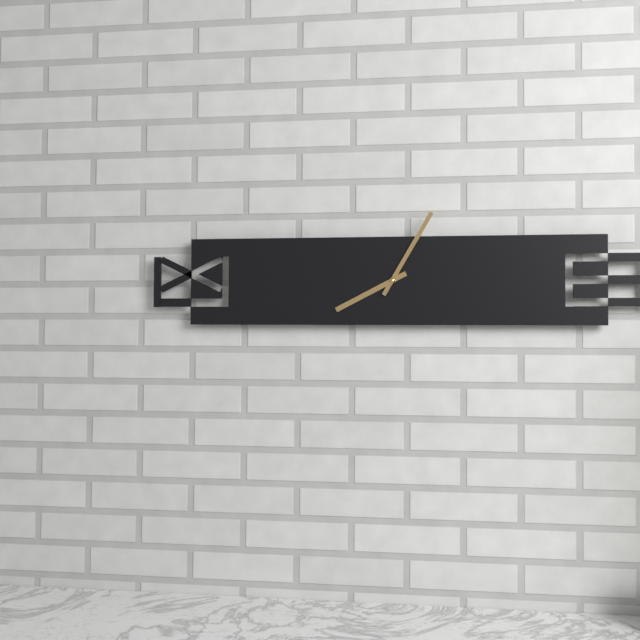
8:05
